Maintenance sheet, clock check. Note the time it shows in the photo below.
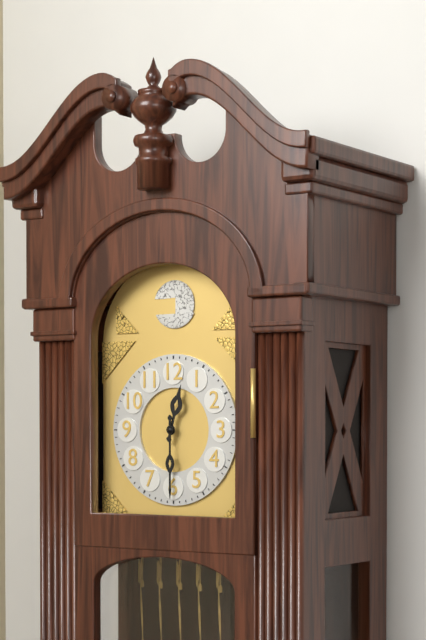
12:30
